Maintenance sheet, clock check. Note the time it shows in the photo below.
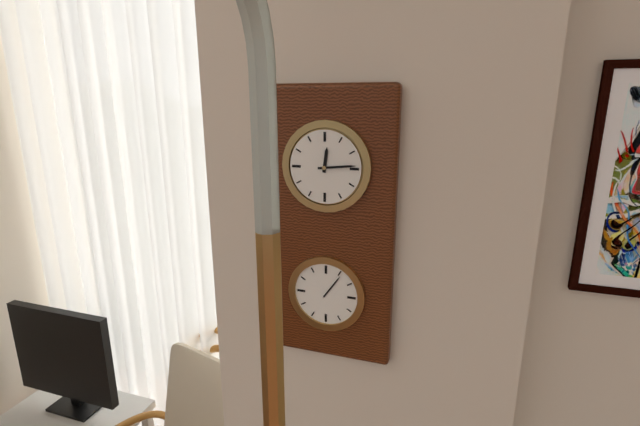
12:14
